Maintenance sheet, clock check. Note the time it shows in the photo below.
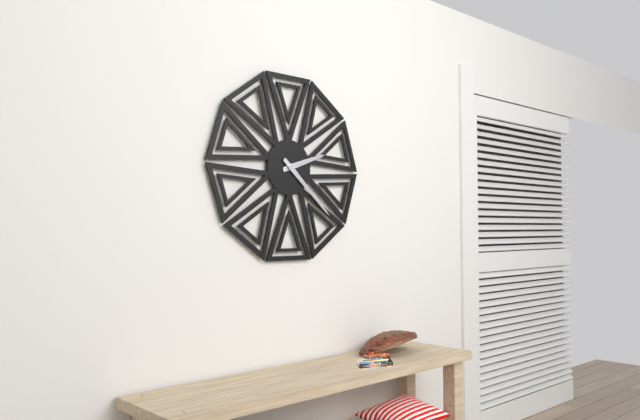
2:22
